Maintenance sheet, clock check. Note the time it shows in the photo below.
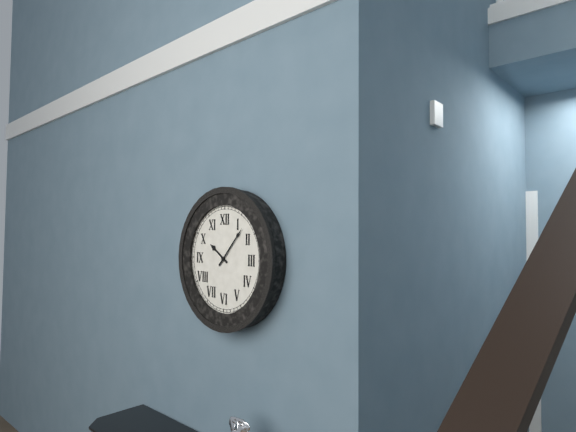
10:07
